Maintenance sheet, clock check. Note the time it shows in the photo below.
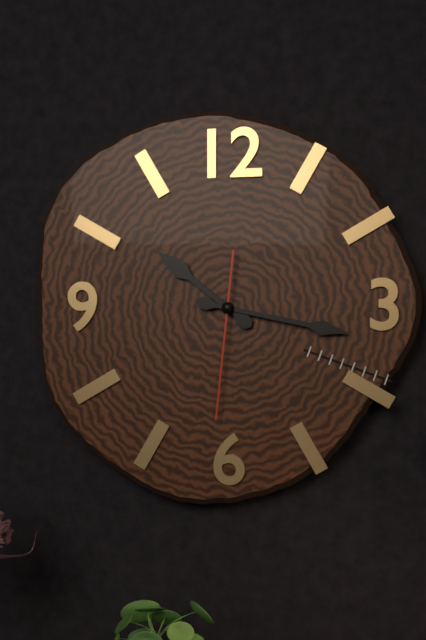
10:17:31
